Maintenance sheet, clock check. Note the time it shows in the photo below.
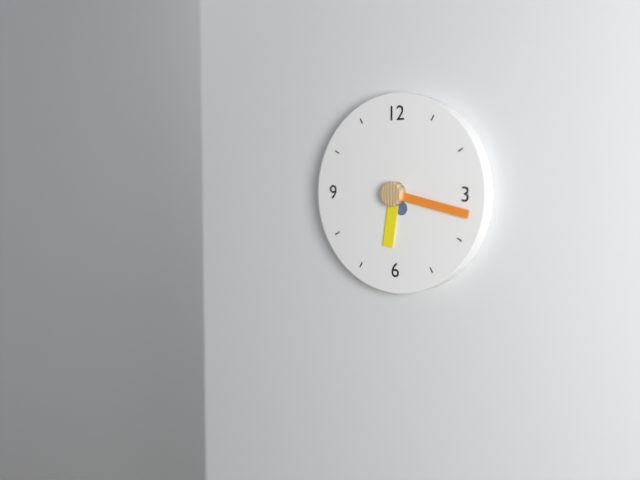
6:17
